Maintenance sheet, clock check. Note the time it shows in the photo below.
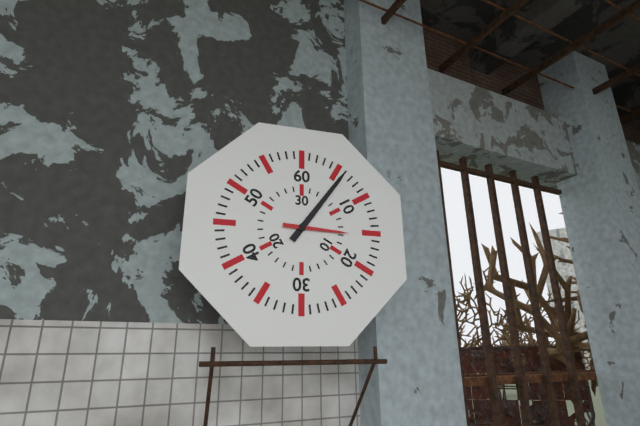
3:06
